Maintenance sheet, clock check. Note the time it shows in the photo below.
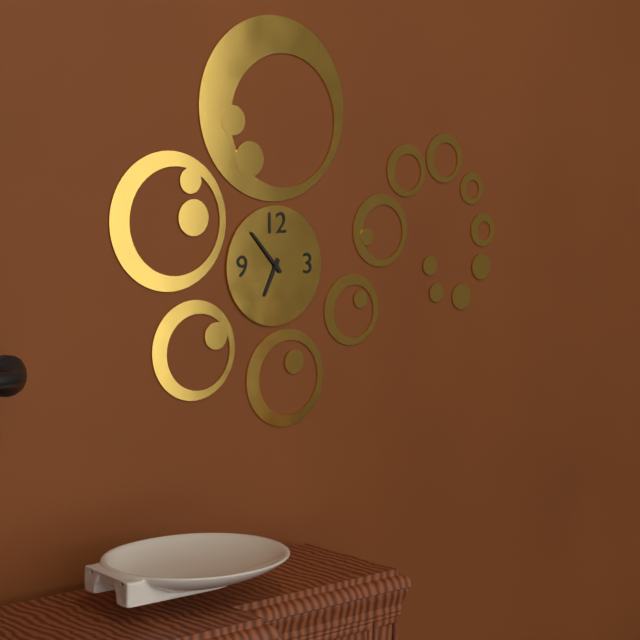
6:53
